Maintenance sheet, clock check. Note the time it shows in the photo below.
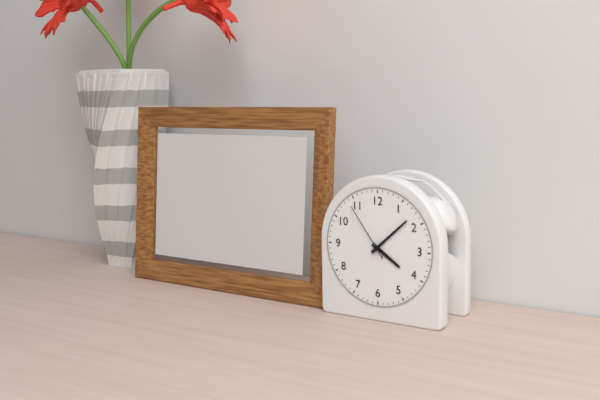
4:08:54
